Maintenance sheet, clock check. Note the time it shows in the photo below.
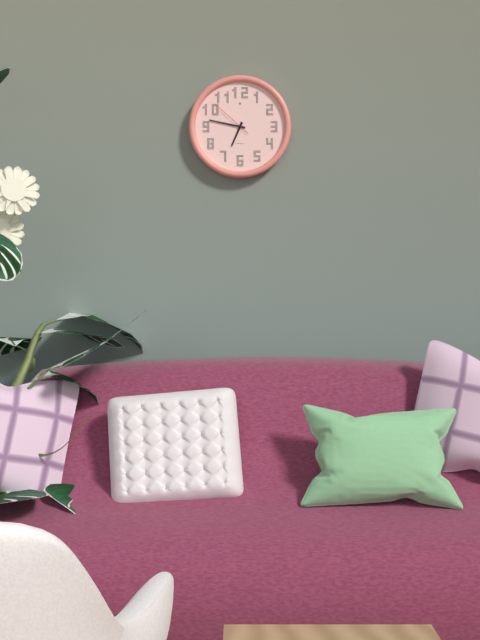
6:47
